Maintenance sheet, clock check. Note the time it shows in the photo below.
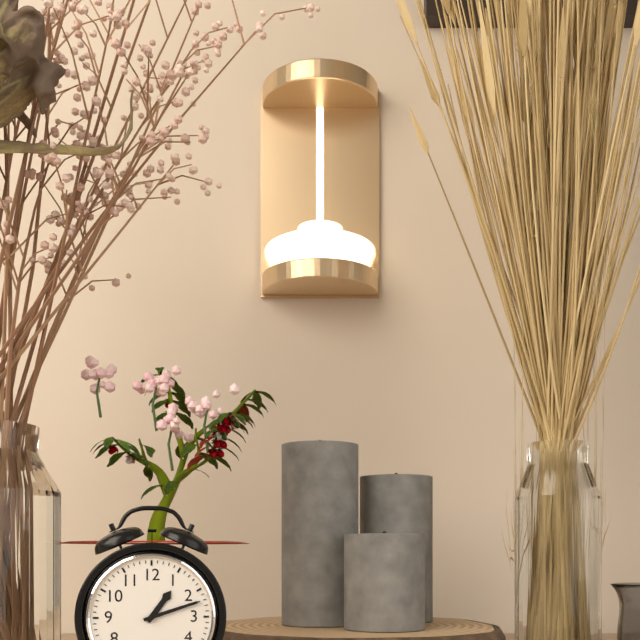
1:12
